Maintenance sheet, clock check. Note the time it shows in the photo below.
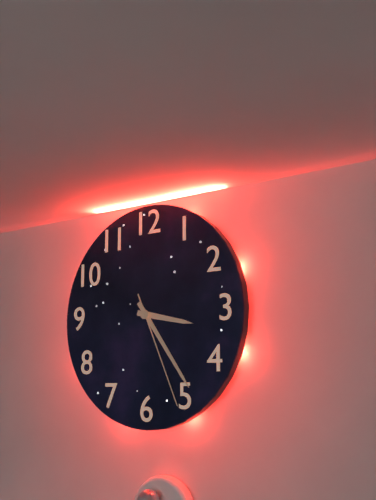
3:24:26
